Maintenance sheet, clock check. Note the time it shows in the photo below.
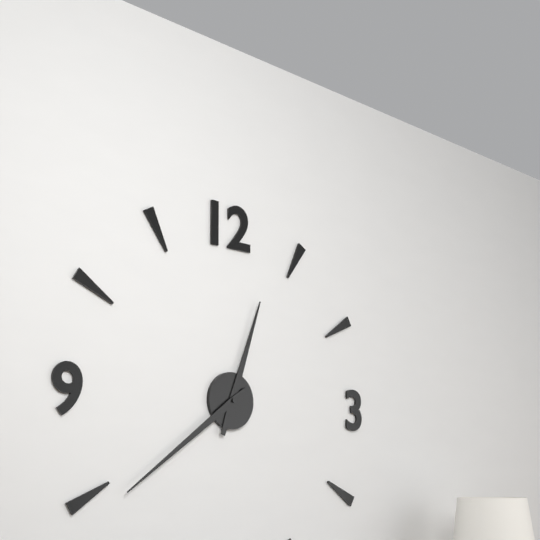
12:39
